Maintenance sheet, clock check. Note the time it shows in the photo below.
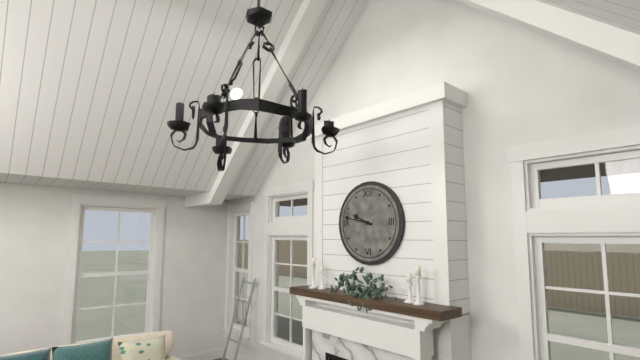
9:47
